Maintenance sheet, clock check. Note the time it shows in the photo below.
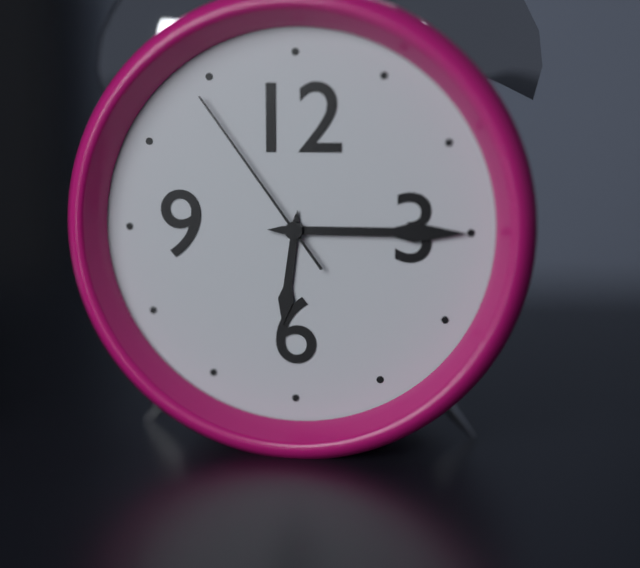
6:15:54
